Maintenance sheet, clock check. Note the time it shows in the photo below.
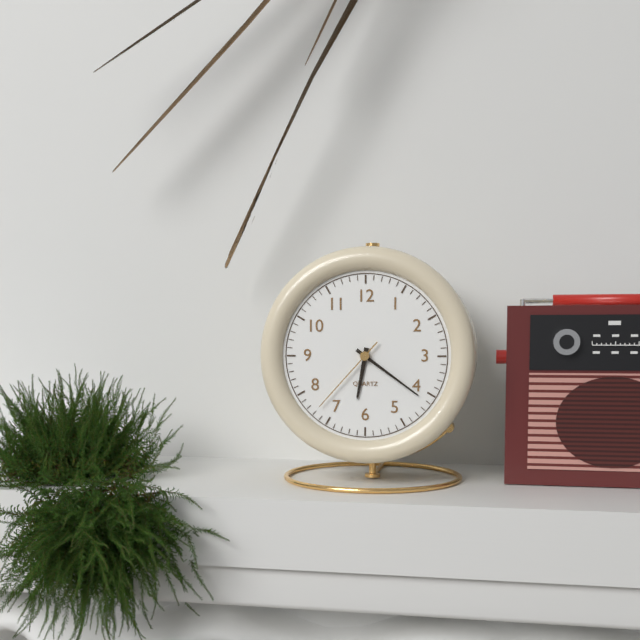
6:21:37
